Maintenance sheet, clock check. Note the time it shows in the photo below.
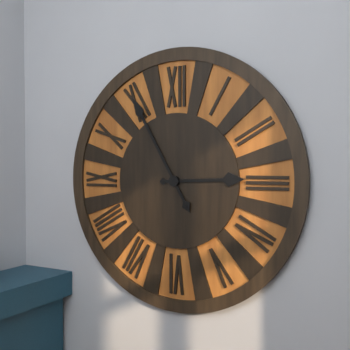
2:55
